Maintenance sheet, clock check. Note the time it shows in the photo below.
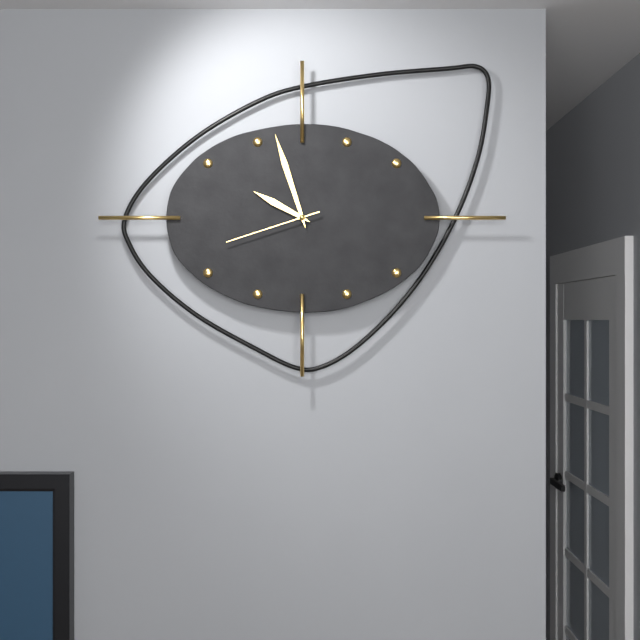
9:57:42
